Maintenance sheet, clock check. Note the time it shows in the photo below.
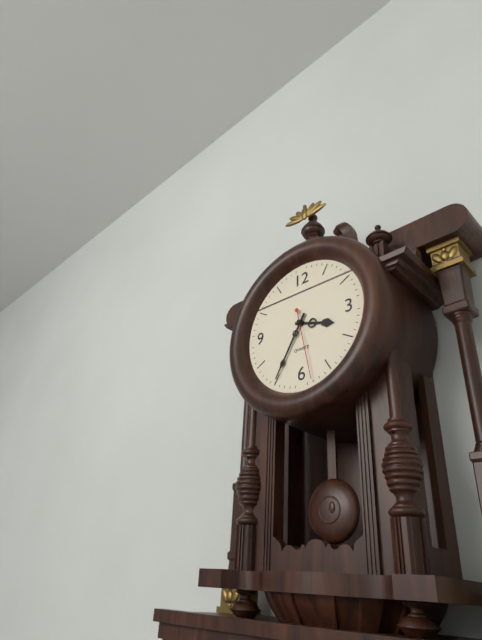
3:35:28
